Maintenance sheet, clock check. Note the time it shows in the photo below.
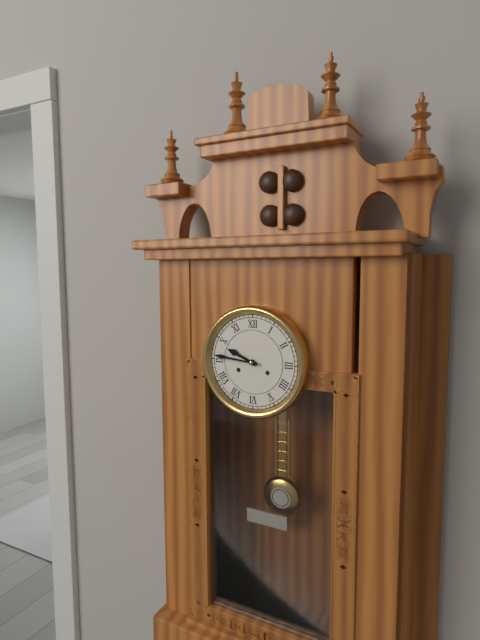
9:46
